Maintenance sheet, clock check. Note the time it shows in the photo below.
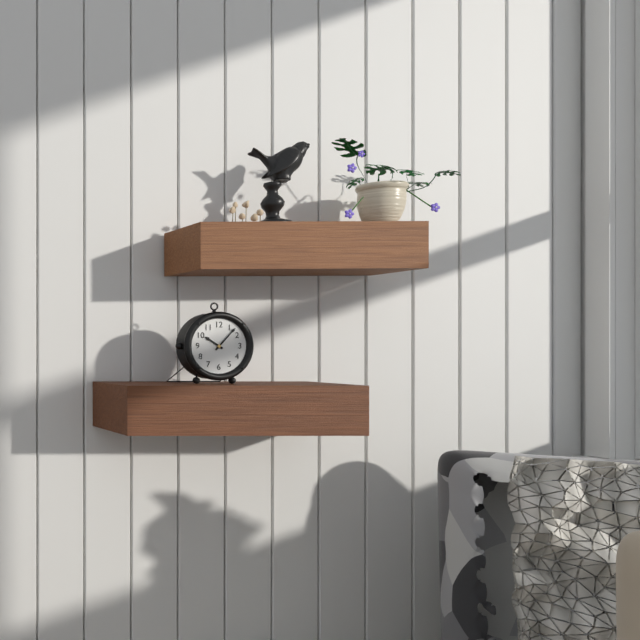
10:07
